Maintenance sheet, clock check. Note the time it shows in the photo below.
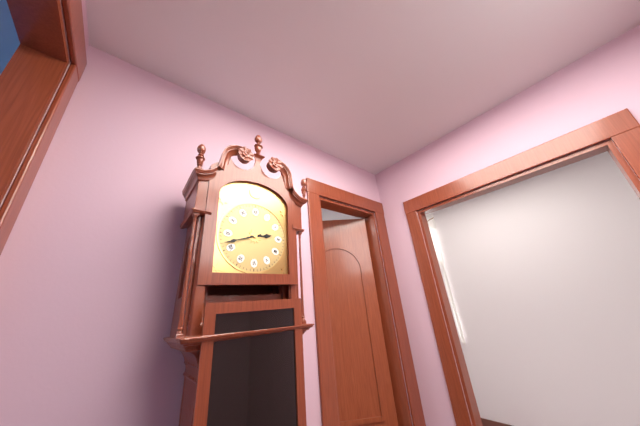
2:42
